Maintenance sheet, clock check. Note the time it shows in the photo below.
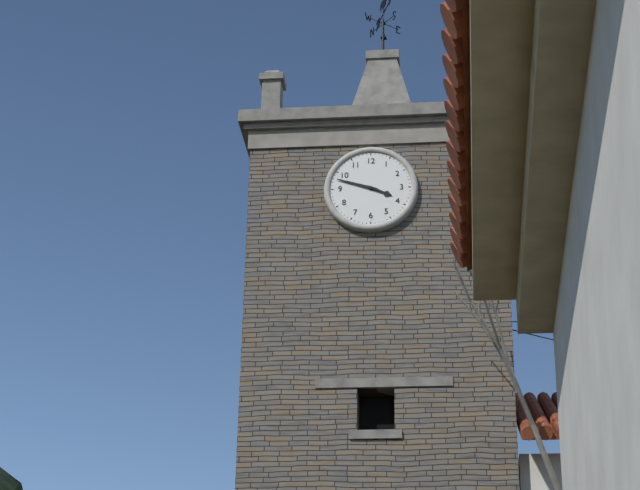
3:48
